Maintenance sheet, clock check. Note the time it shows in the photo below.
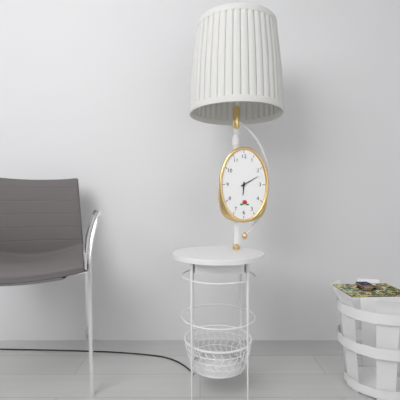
6:10
